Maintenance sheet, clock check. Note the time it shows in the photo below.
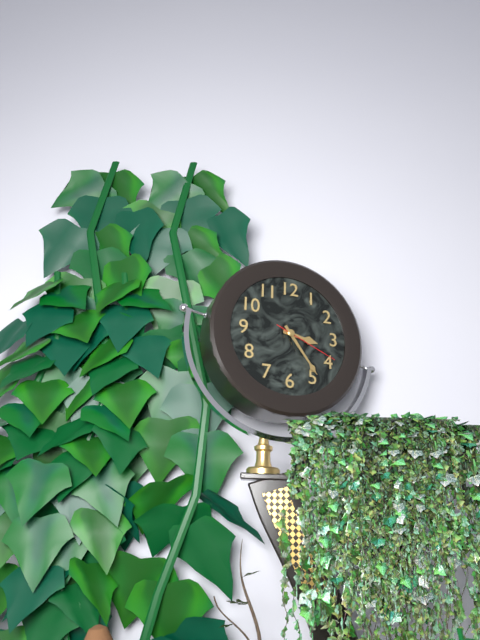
3:24:19
